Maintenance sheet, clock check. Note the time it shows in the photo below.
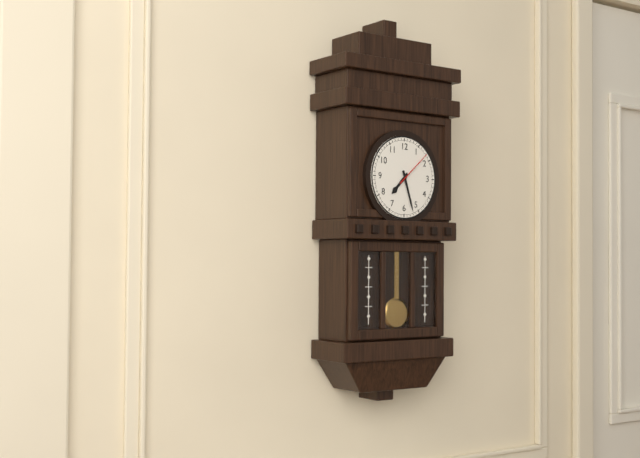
7:27
